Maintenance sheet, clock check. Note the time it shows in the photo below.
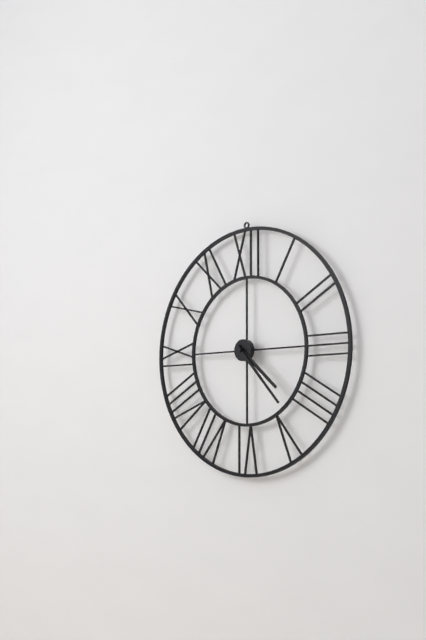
4:23
